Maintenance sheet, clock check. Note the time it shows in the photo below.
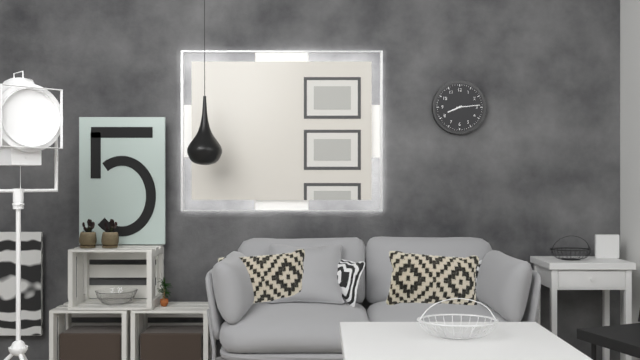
8:14
